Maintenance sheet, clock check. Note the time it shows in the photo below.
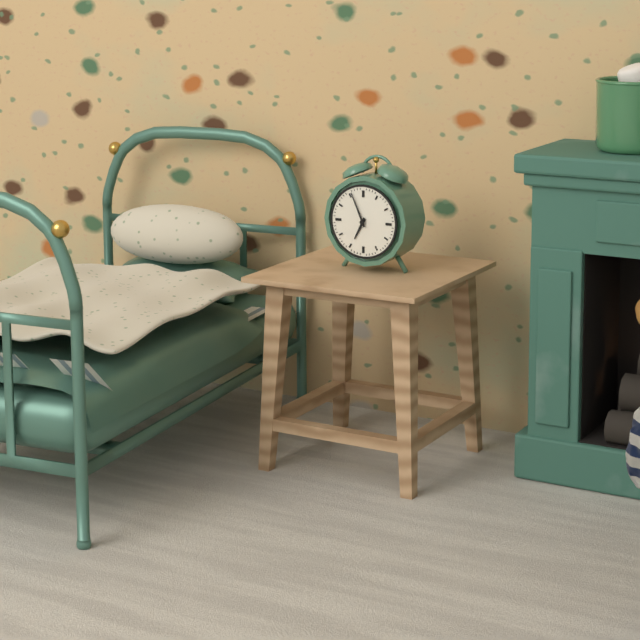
6:56
